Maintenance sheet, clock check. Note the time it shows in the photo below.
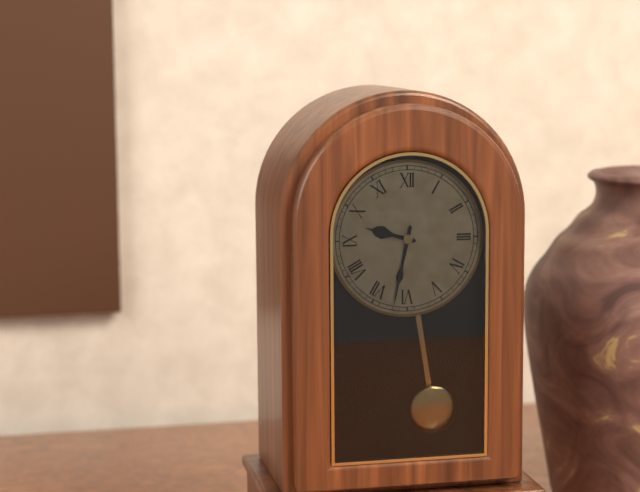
9:32
